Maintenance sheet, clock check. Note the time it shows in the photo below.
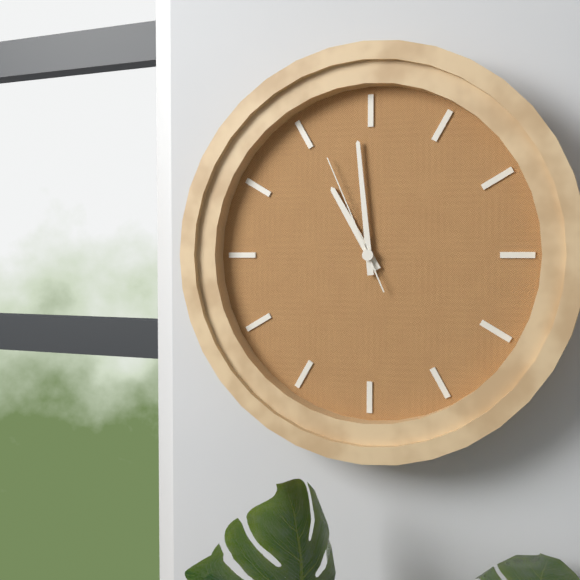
10:59:56
